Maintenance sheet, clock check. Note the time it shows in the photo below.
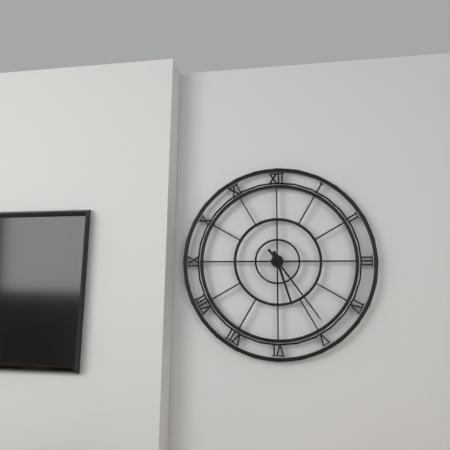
5:24
